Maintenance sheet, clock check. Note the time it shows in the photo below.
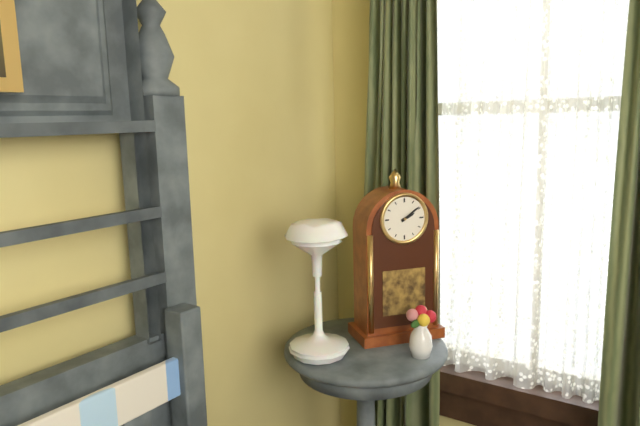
2:09
